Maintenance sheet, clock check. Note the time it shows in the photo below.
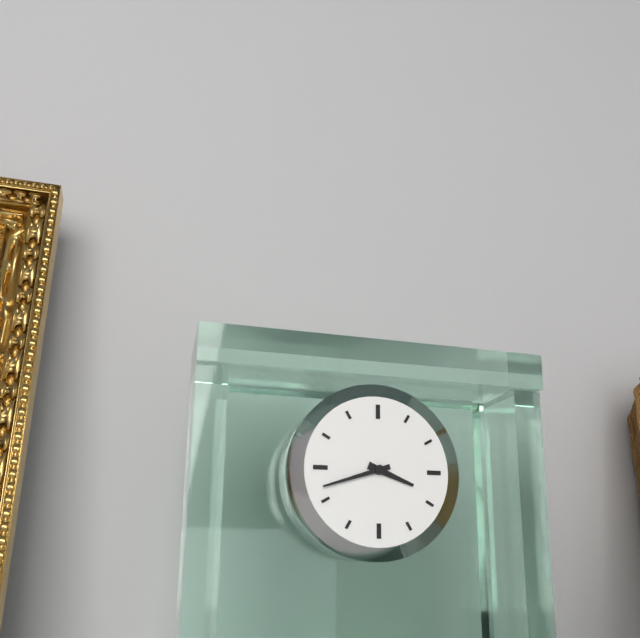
3:42
